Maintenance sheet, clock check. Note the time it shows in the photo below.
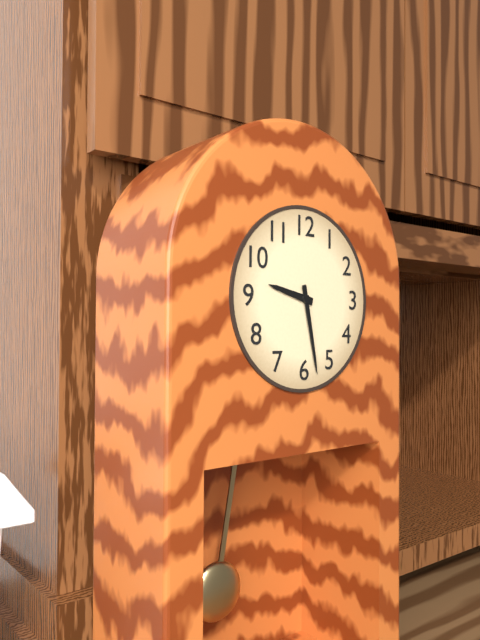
9:28
